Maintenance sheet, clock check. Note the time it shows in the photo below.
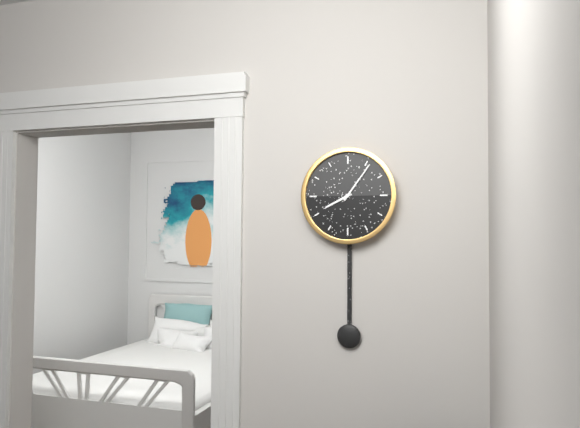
8:06
